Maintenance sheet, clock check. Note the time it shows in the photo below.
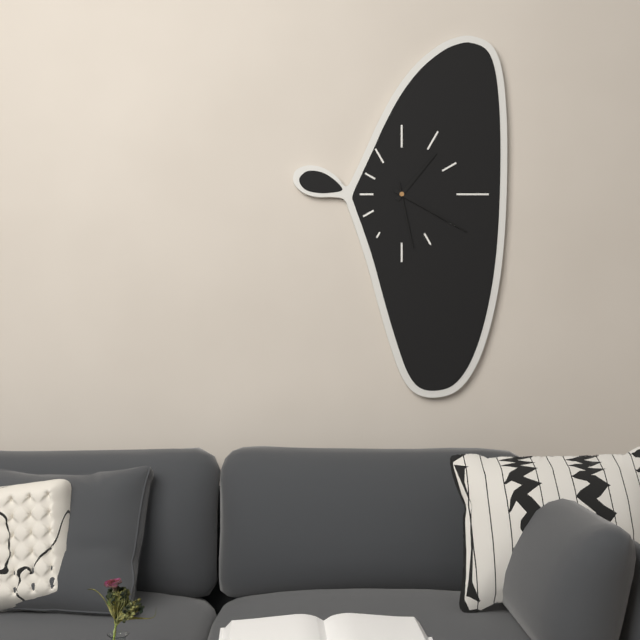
1:20:28
